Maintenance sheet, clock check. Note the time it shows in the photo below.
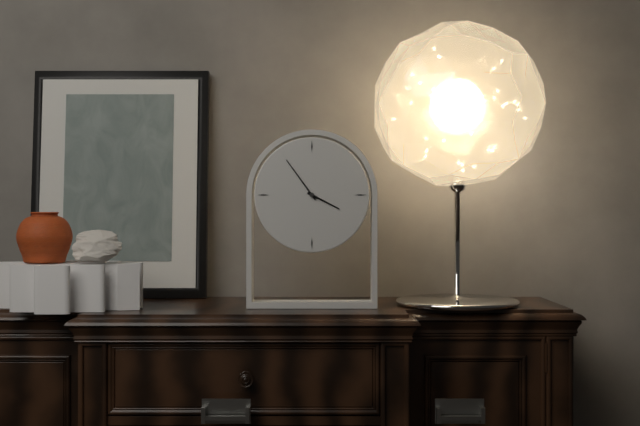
3:54
